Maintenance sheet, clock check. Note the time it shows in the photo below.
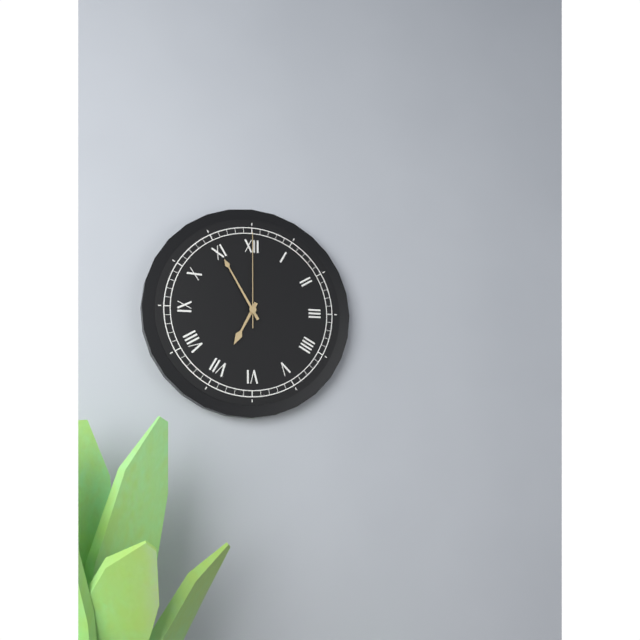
6:55:00
